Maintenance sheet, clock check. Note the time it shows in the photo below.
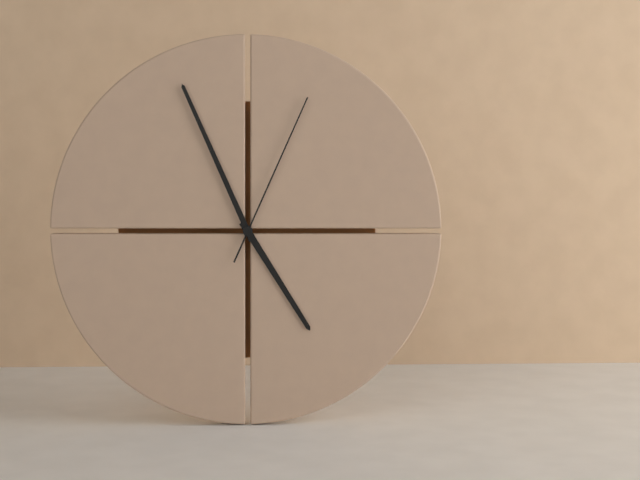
4:56:04
